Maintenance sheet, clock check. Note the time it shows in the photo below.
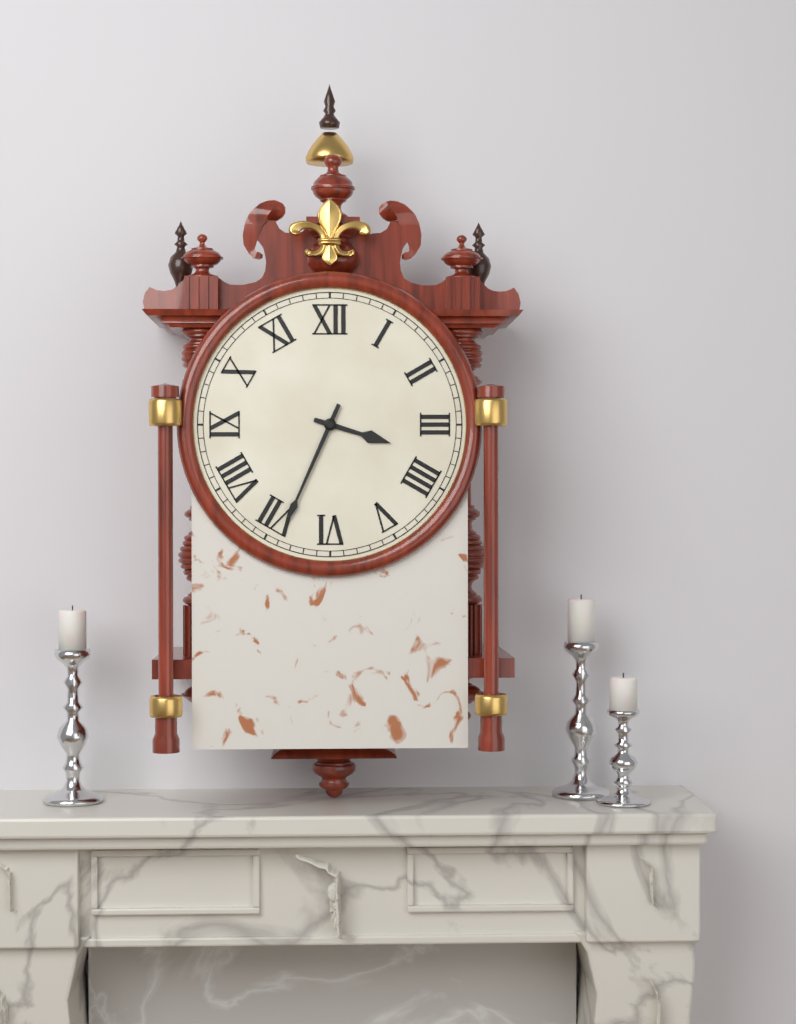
3:34
